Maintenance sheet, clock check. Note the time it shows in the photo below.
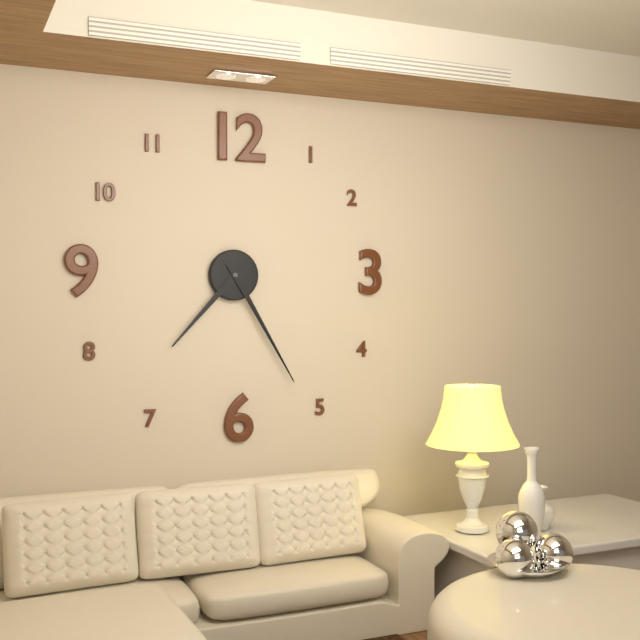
7:25
